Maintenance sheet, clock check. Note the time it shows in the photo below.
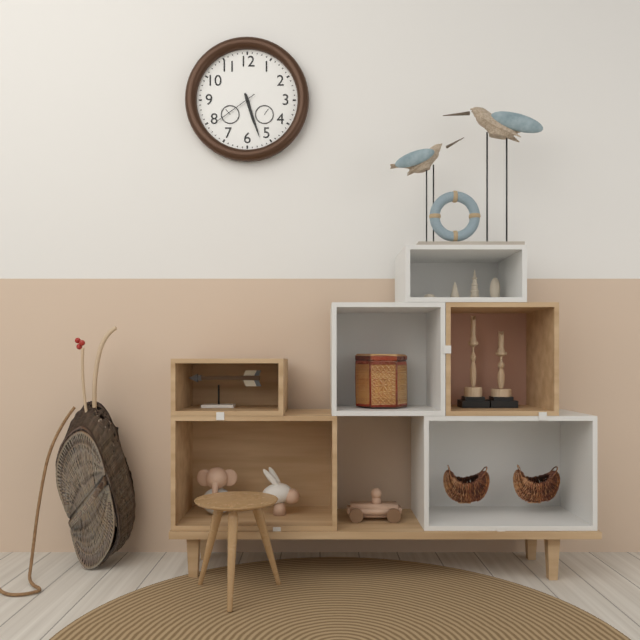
5:27
